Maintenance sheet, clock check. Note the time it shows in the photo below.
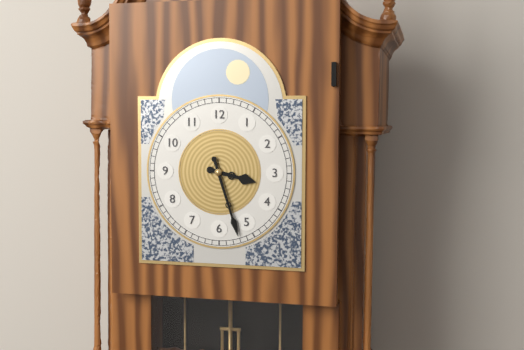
3:27
